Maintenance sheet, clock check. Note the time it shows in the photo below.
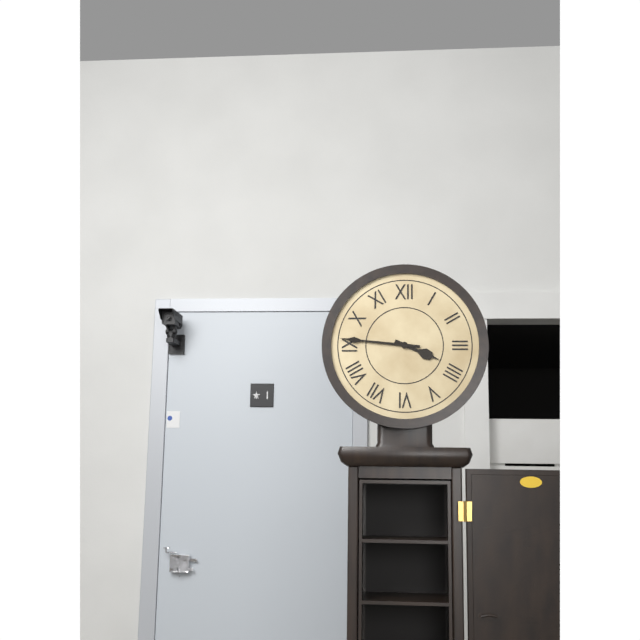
3:46
